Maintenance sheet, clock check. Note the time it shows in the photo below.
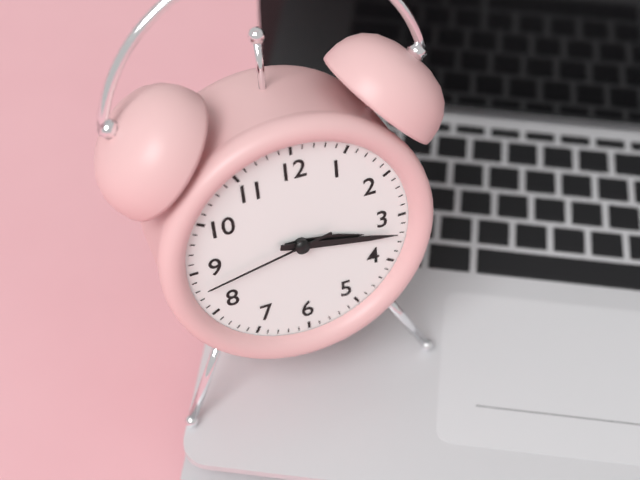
3:17:43
